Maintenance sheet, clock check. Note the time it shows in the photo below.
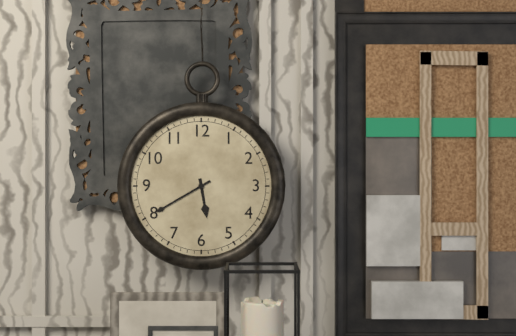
5:40
